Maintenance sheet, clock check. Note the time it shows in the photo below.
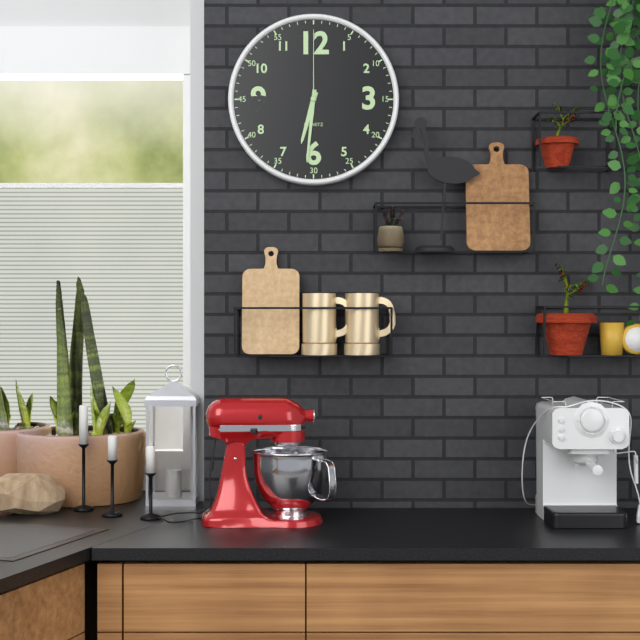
6:31:00
